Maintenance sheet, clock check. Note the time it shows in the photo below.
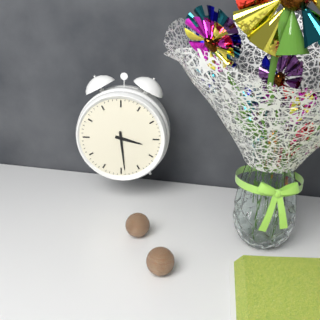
3:29
